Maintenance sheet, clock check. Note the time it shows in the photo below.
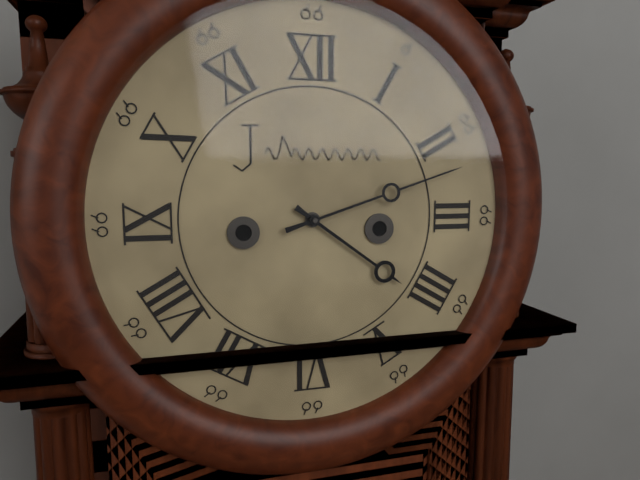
4:12
